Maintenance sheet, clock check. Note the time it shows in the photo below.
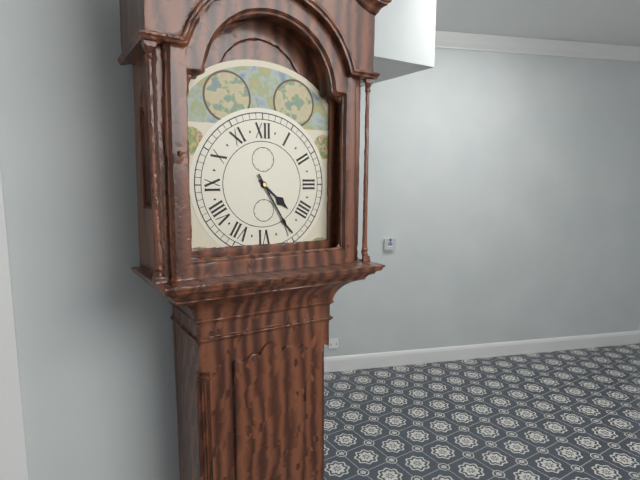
4:25
